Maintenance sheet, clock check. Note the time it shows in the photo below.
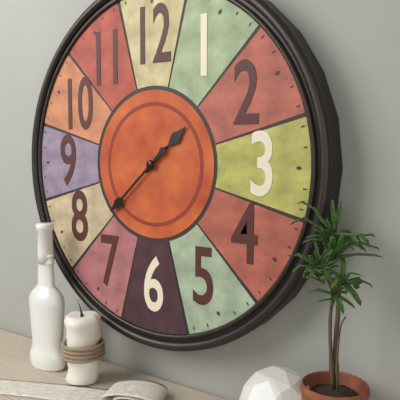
1:38
